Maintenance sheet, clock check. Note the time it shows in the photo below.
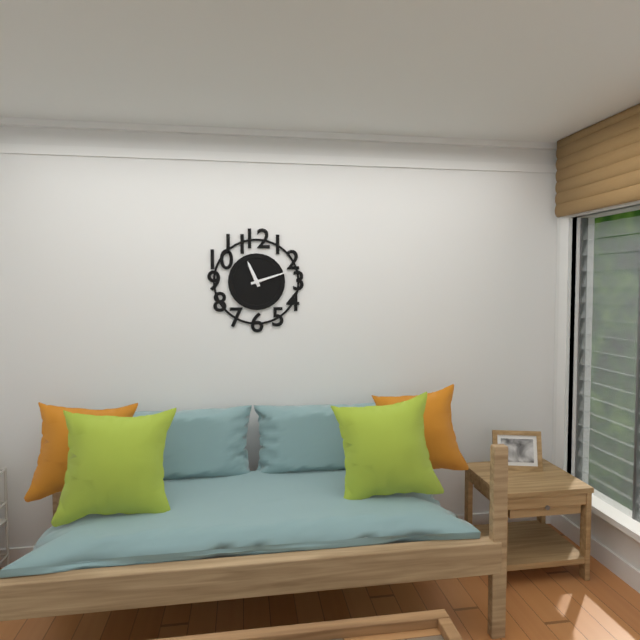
11:12
